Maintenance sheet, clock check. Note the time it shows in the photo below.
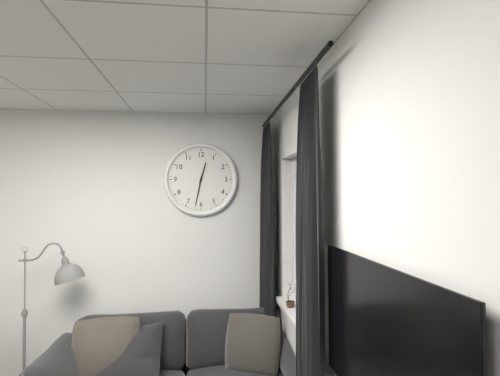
12:32
